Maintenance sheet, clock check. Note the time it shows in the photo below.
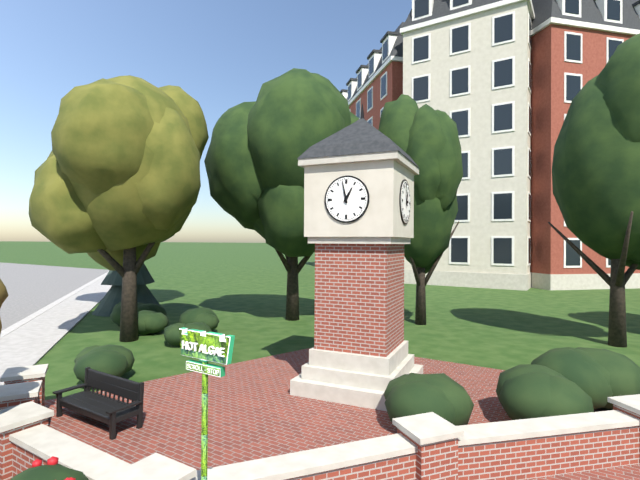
12:58
